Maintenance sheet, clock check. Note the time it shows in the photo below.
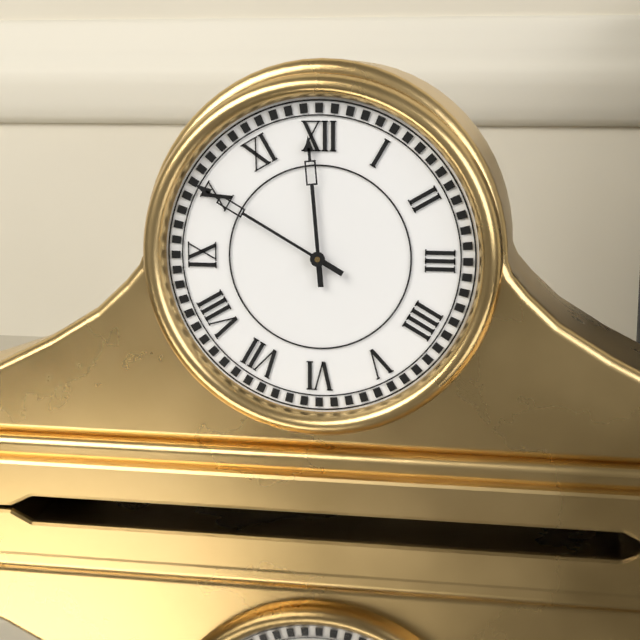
11:50
